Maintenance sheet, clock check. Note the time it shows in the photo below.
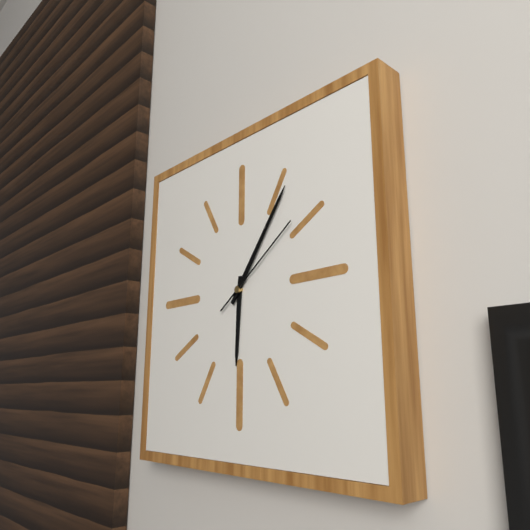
6:06:09
